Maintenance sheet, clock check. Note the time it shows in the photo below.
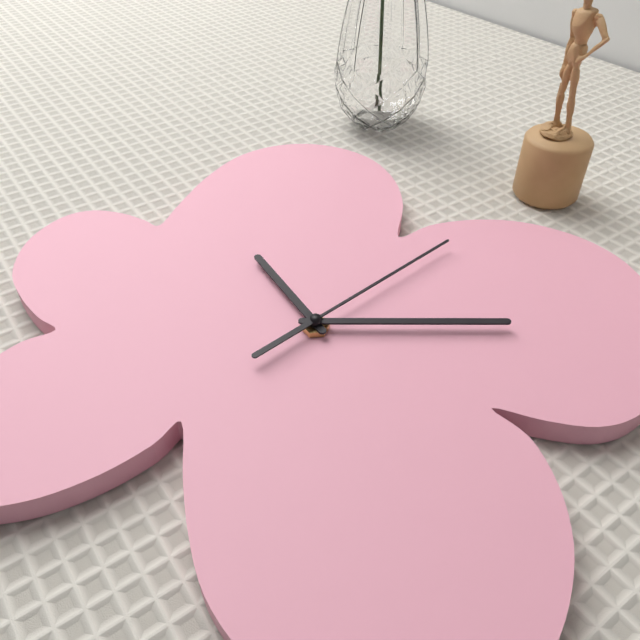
10:11:04
